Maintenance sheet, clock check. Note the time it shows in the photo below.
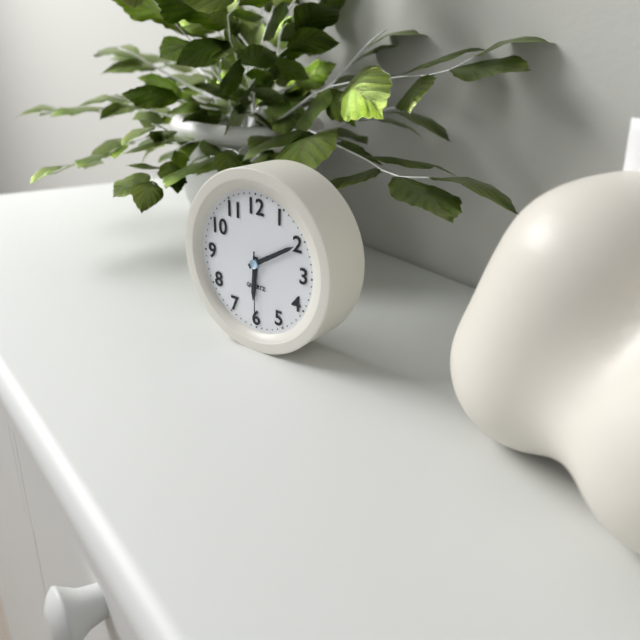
6:10:30
